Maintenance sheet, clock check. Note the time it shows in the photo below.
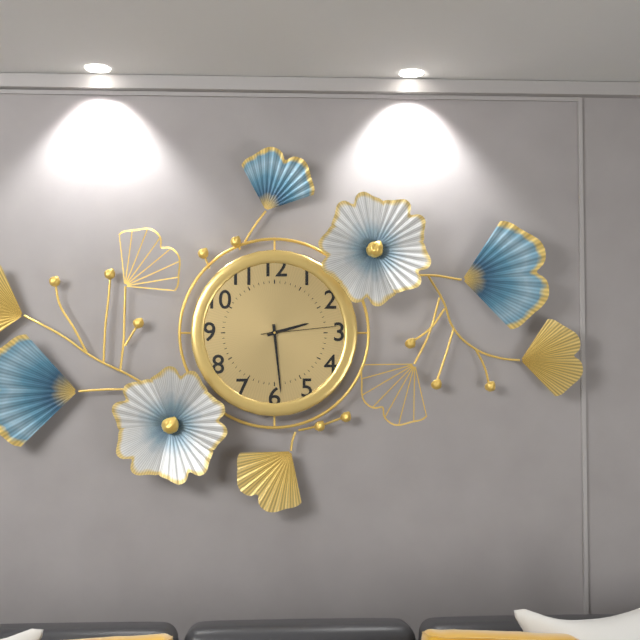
2:29:14
